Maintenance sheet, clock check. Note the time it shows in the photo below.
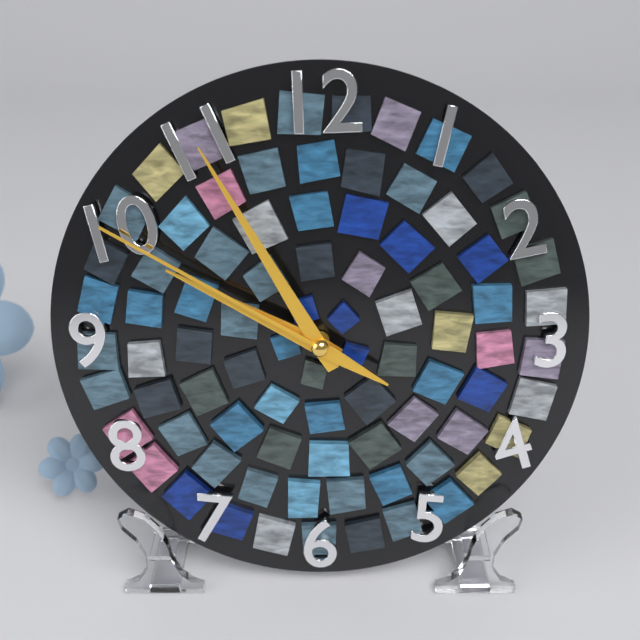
9:55:50
